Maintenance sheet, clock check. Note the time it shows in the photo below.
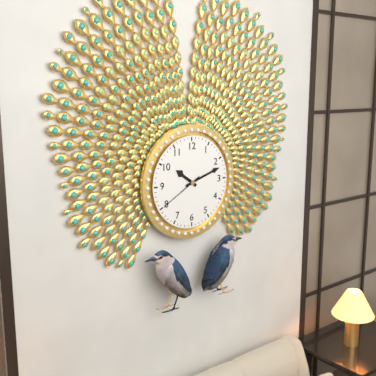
10:12
